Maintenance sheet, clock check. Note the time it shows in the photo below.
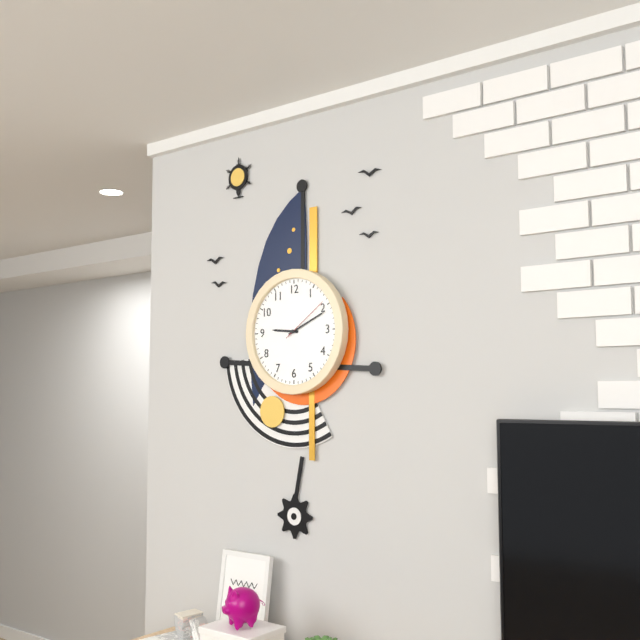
9:11:09
